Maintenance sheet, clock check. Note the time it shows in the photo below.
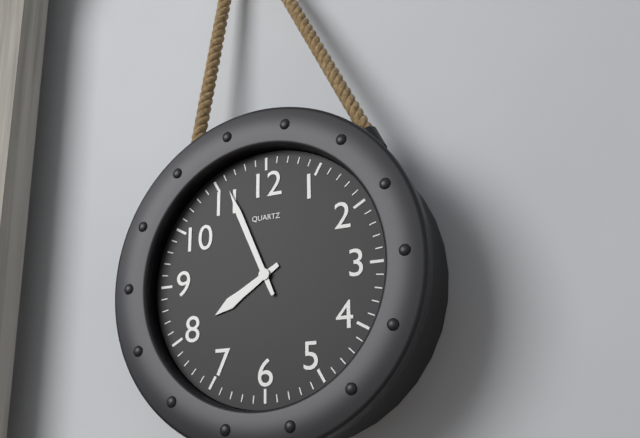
7:56
